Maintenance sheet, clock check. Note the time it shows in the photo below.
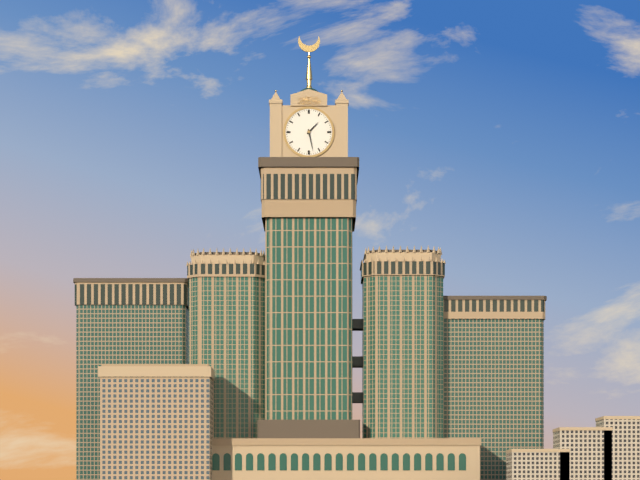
1:28
